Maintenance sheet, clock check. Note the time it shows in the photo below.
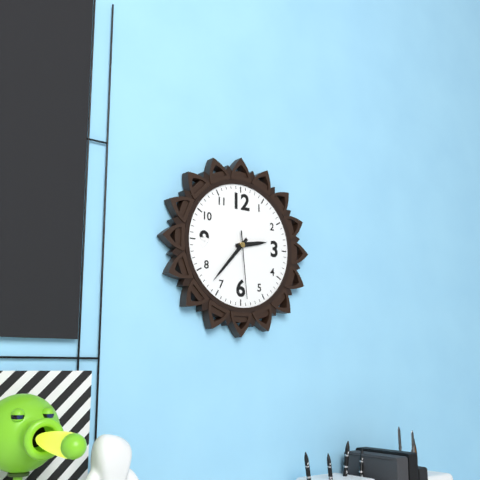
2:37:29
